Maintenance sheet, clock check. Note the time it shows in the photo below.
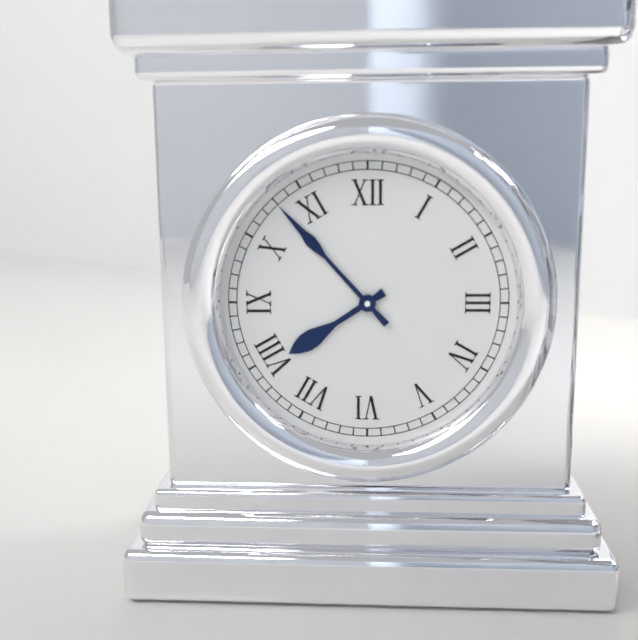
7:53
